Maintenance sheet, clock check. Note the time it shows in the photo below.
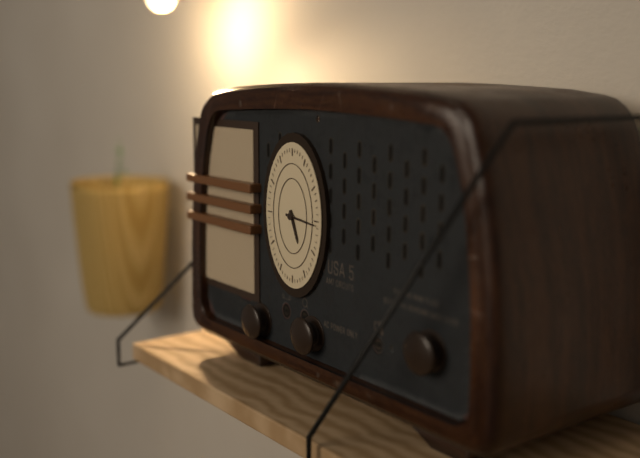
5:16
